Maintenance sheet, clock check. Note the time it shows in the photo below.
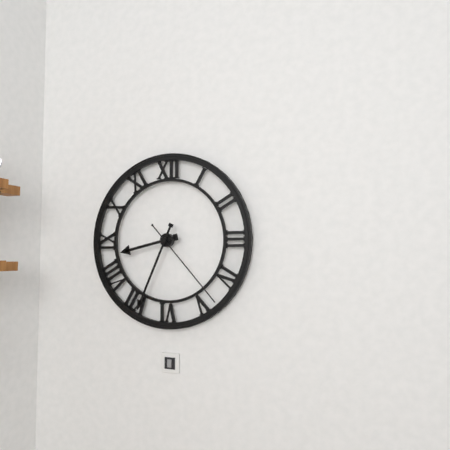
8:34:23
